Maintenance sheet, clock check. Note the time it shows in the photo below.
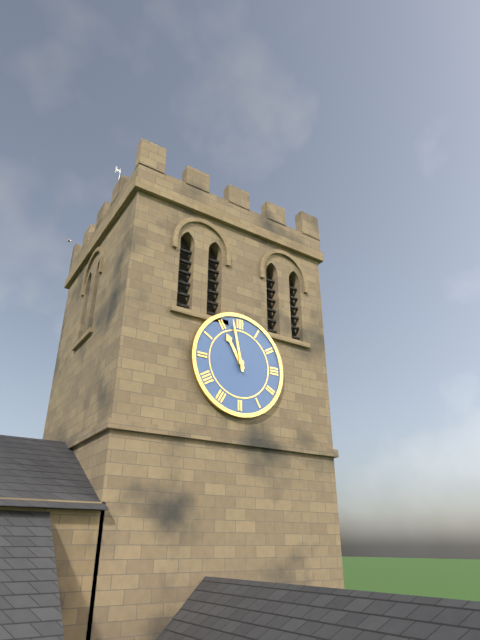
10:58
